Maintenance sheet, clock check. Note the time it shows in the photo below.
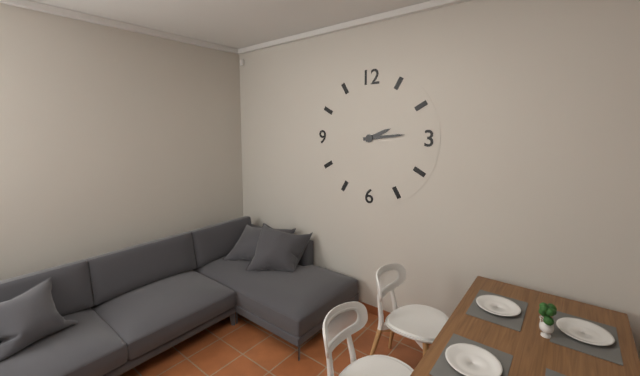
2:14
